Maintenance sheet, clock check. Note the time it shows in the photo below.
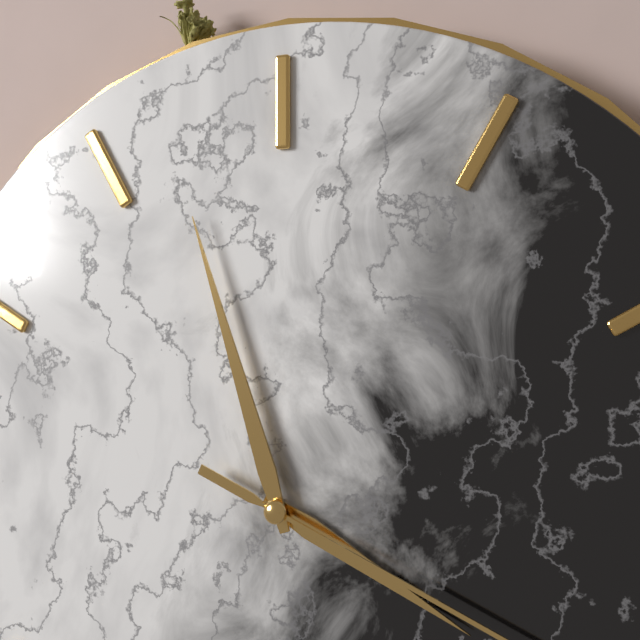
3:57
